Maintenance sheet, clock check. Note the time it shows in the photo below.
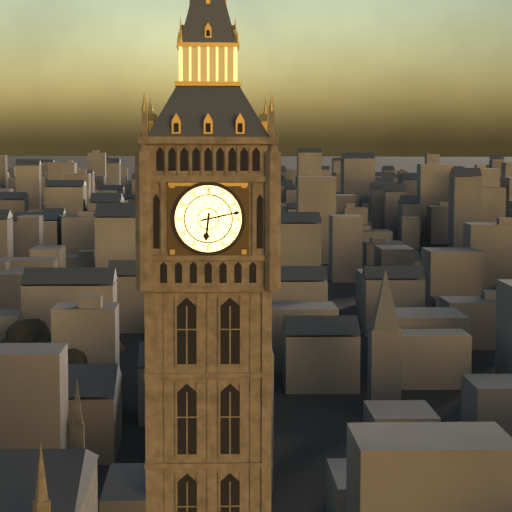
6:13
